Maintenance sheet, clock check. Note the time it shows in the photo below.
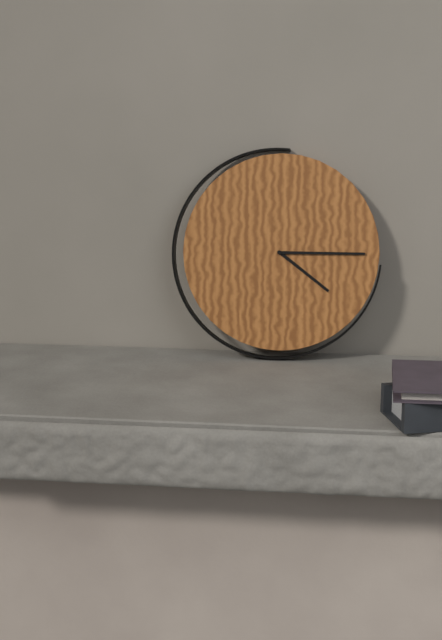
4:15
